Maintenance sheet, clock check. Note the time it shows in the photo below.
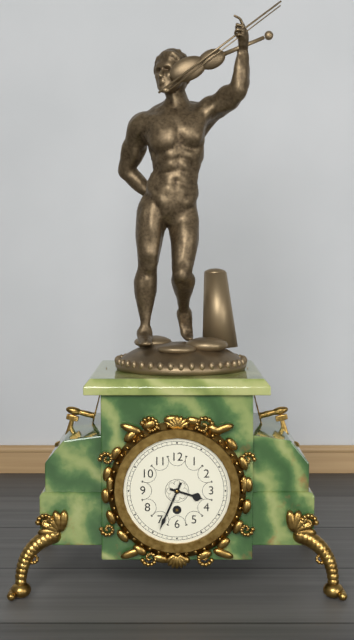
3:34
